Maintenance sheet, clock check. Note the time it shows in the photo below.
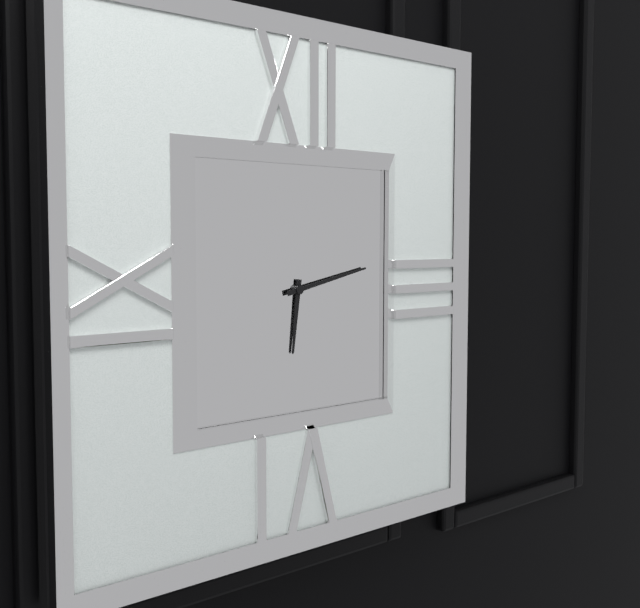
6:13
